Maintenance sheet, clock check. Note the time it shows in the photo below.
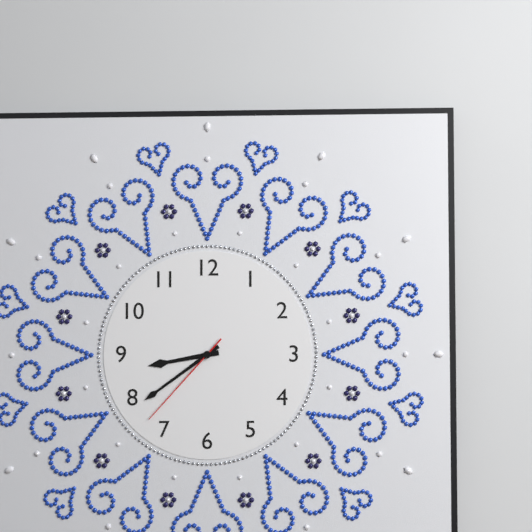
8:39:37
